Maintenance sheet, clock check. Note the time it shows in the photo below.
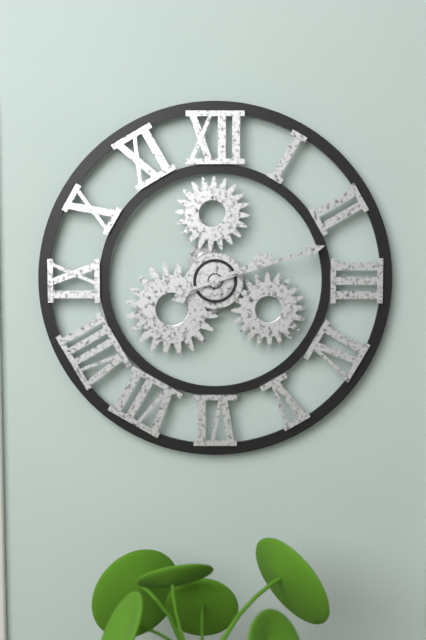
2:12
